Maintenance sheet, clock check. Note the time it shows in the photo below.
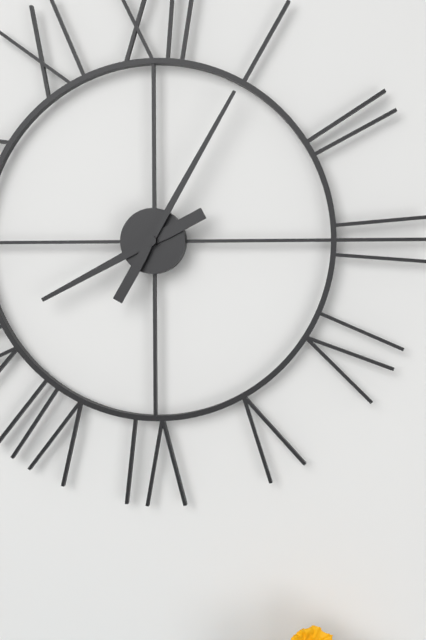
8:05
